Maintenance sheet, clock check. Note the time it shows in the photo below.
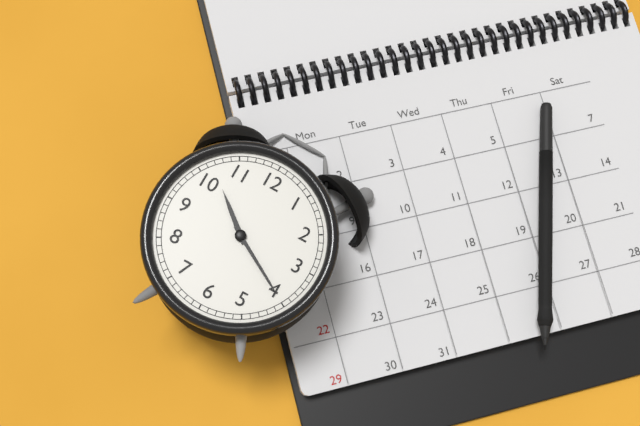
10:20
